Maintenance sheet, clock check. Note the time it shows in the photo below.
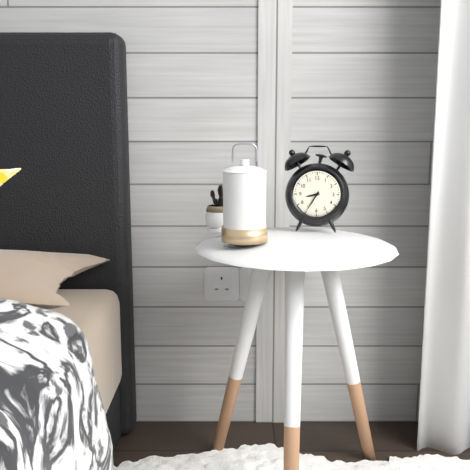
8:35
